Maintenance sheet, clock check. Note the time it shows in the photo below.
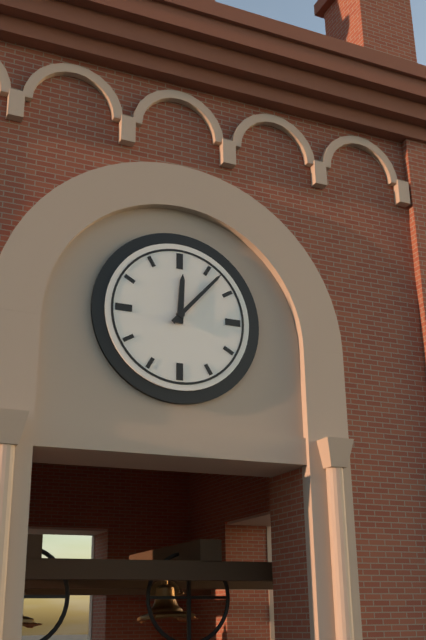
12:07
